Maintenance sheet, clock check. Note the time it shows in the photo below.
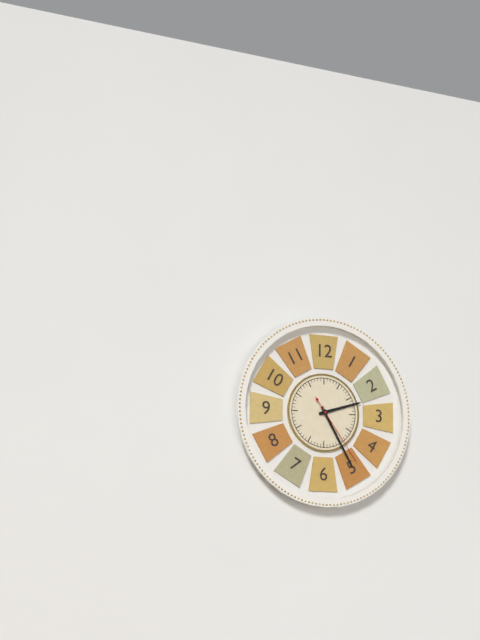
2:25:24
